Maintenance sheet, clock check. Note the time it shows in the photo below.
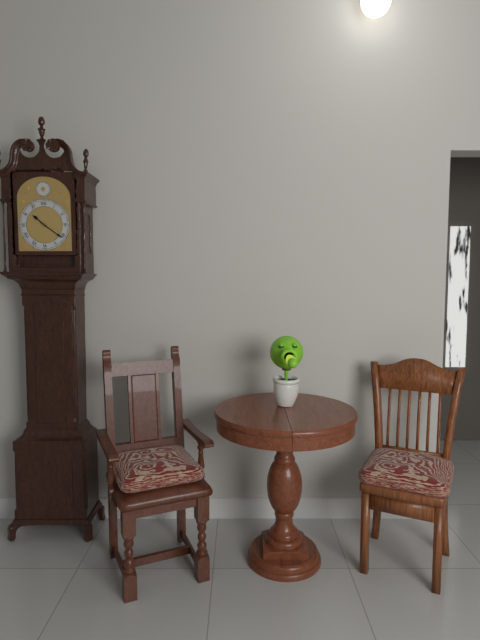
10:21
